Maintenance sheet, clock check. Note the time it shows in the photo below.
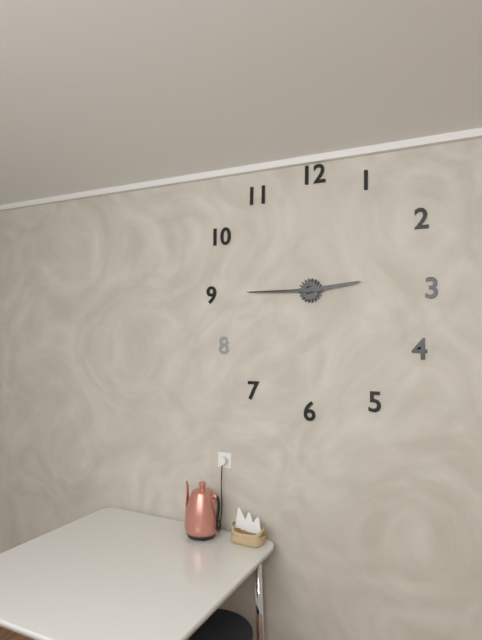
2:45
